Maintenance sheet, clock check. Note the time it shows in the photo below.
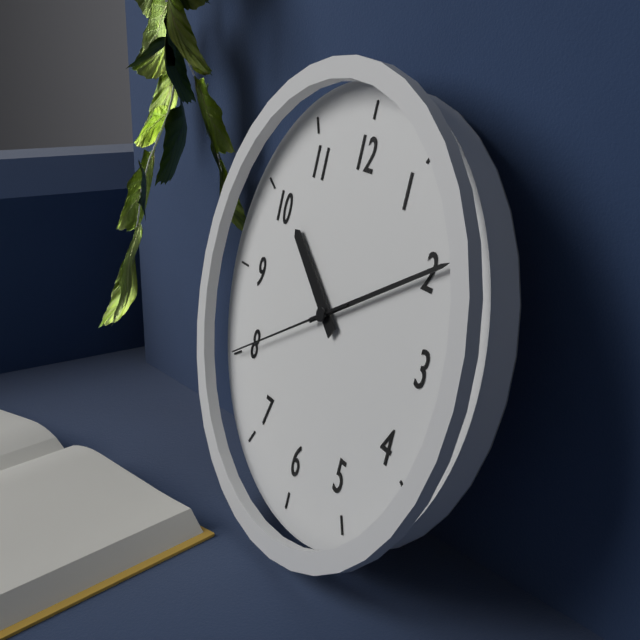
10:10:40
